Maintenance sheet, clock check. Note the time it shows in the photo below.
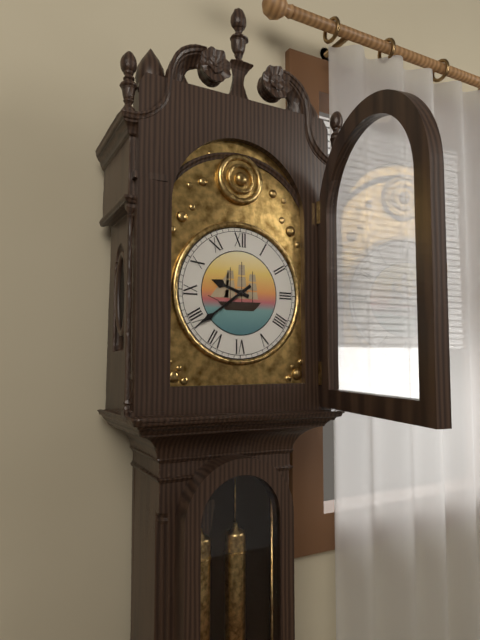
9:39
